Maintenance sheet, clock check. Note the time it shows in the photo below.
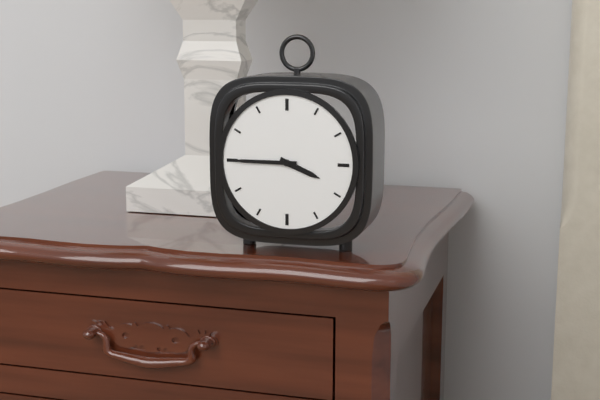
3:45
